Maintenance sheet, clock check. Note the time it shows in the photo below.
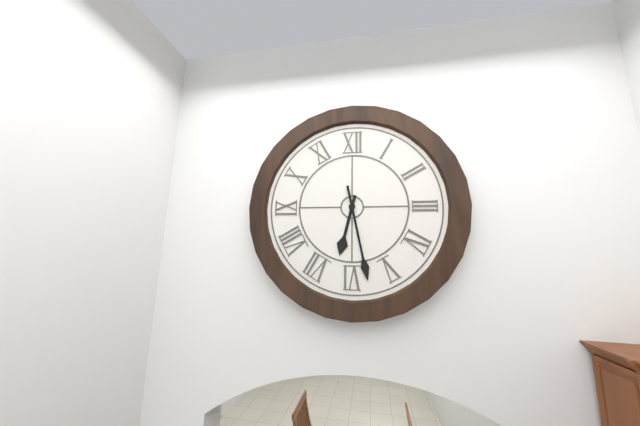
6:28
